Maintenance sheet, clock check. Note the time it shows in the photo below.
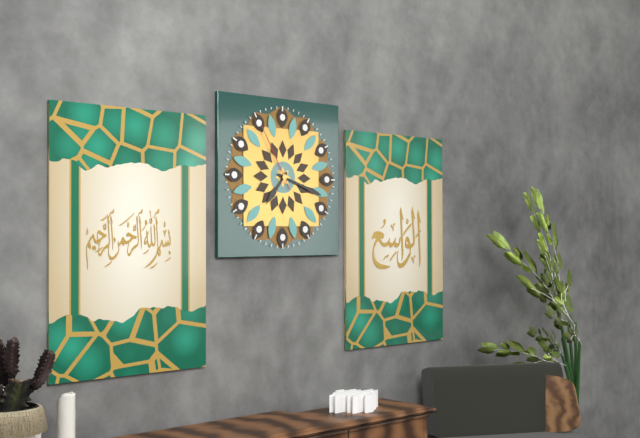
7:18:55
